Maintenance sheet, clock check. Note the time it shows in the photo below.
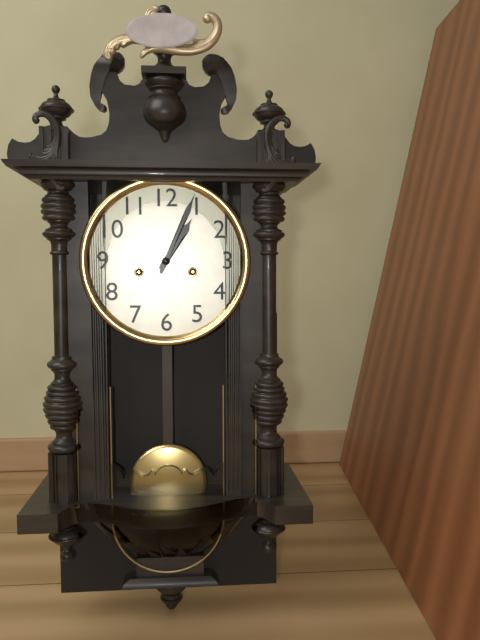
1:04
